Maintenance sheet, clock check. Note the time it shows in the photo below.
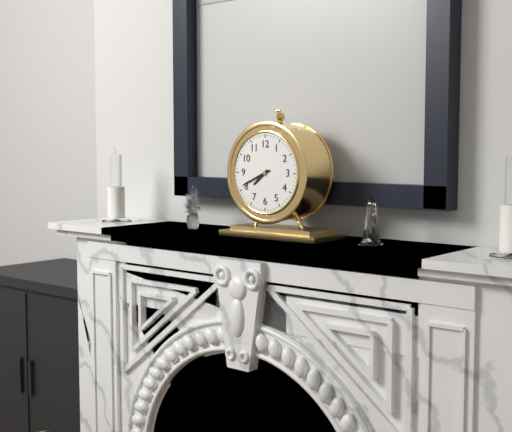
7:41
